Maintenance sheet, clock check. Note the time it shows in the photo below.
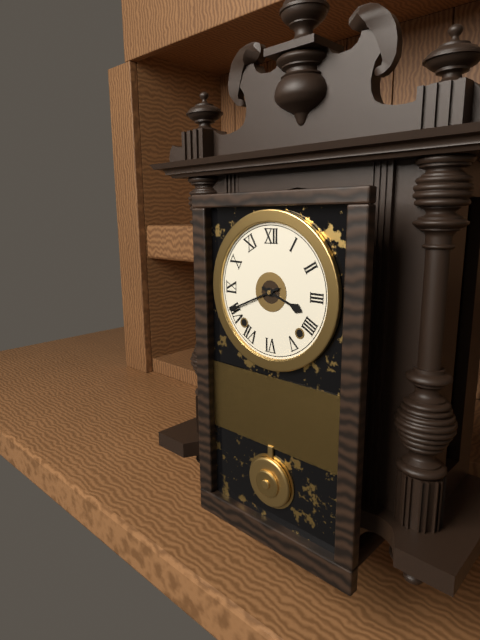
3:41
